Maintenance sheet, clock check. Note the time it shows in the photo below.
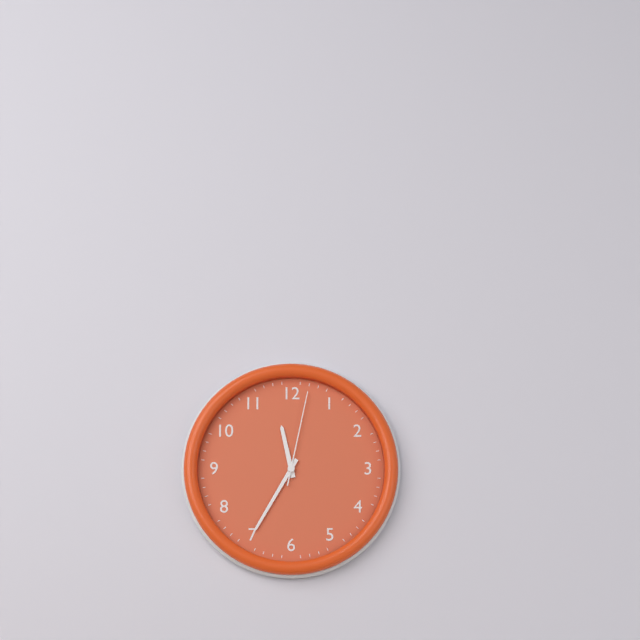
11:35:02
